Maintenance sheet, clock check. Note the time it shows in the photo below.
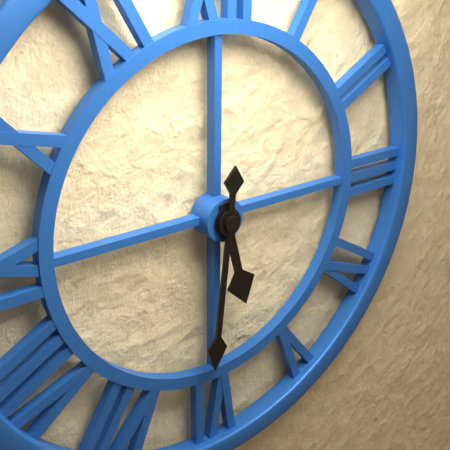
5:31
